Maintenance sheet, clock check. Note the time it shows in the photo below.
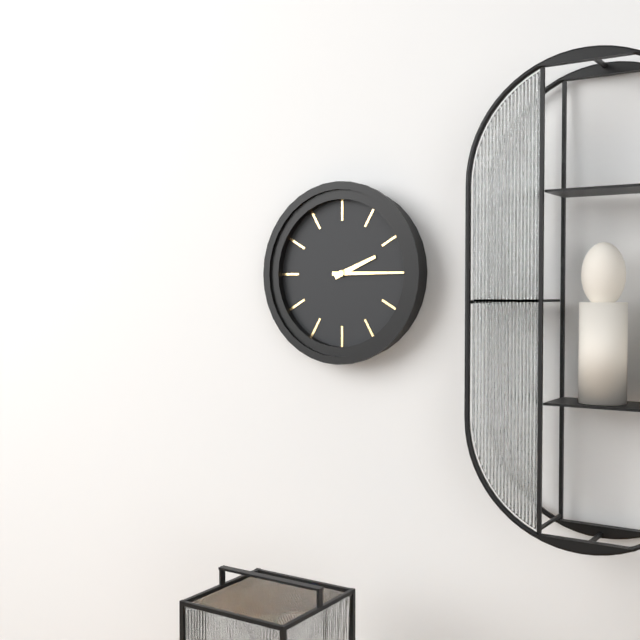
2:15
